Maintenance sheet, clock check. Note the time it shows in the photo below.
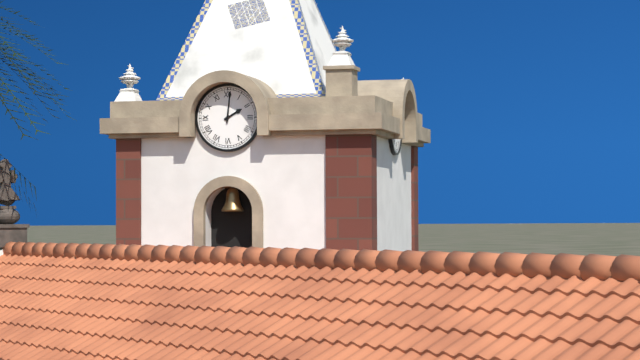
2:01
